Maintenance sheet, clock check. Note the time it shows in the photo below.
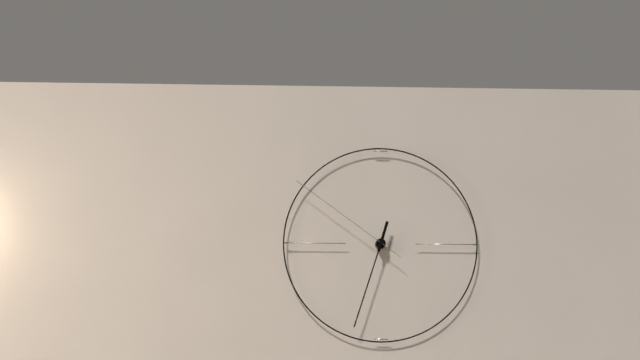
12:33:51
